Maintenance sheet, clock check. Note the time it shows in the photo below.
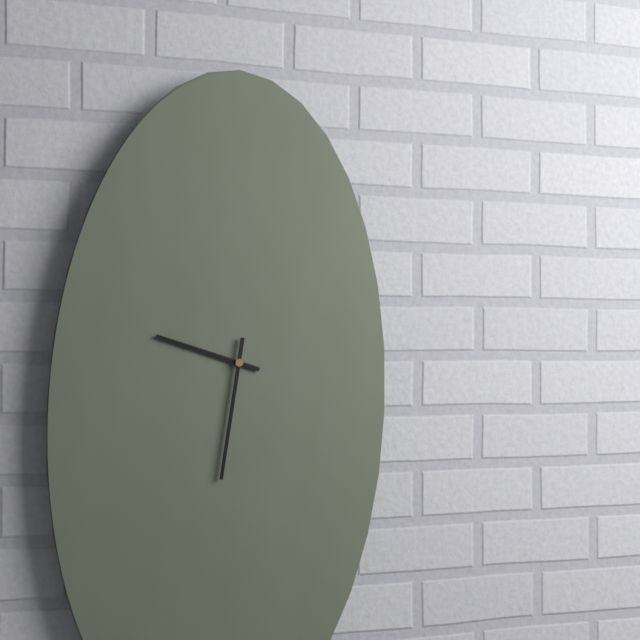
9:31
